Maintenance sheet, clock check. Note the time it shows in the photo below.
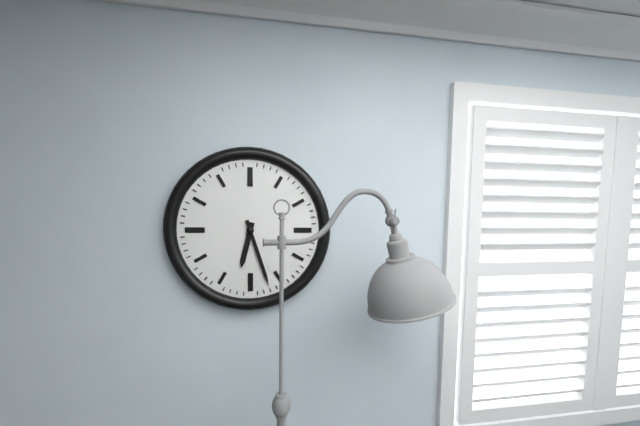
6:27
